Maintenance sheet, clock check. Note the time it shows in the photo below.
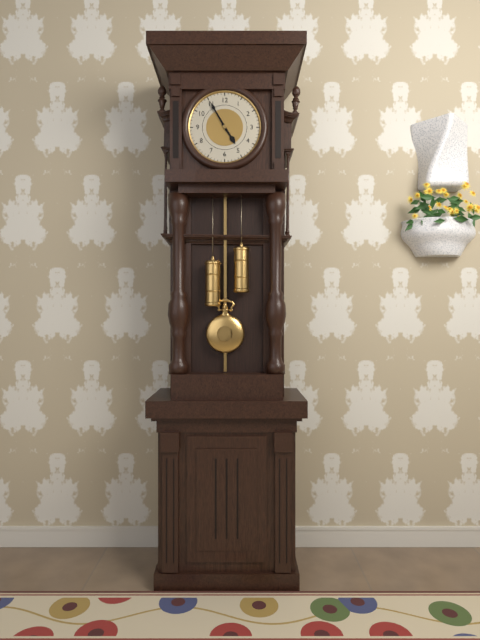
4:55
